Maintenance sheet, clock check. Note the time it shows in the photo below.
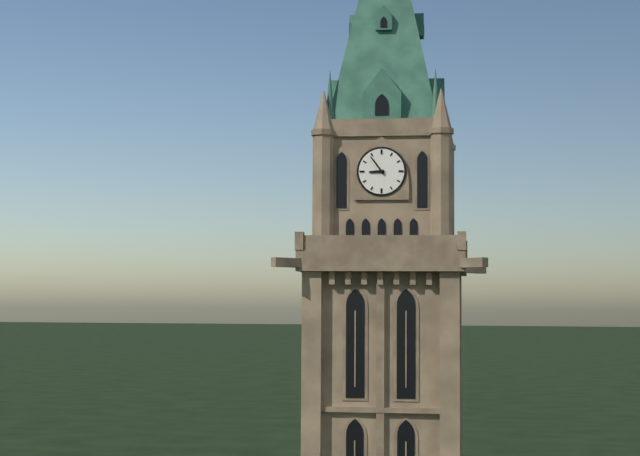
8:54
